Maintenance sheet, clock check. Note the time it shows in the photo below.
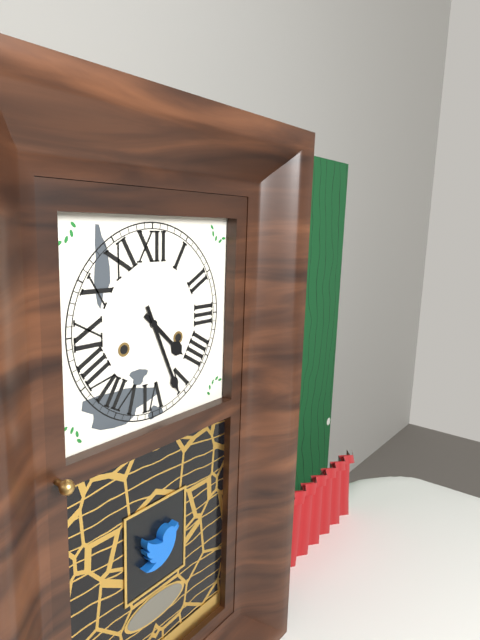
4:26
